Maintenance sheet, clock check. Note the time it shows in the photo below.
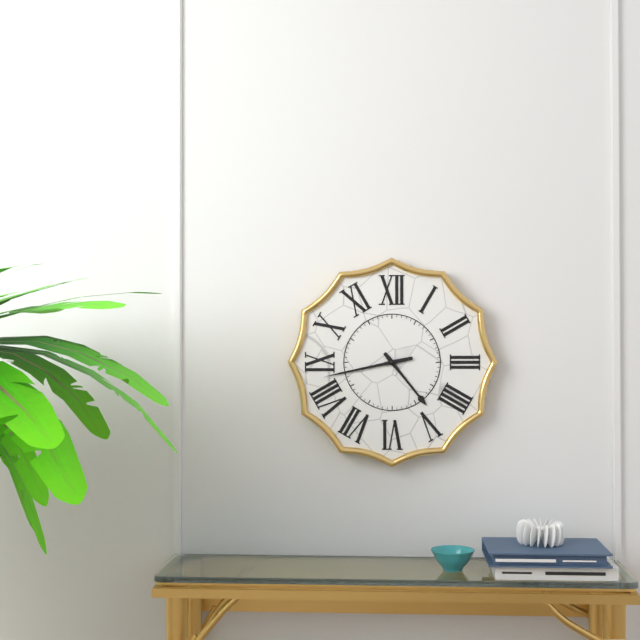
4:43
